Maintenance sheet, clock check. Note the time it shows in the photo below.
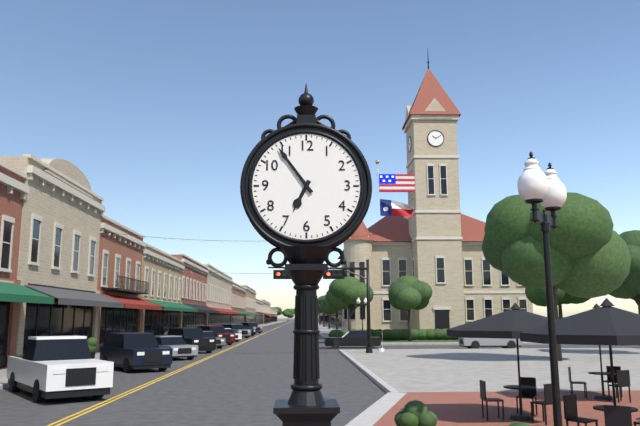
6:54
